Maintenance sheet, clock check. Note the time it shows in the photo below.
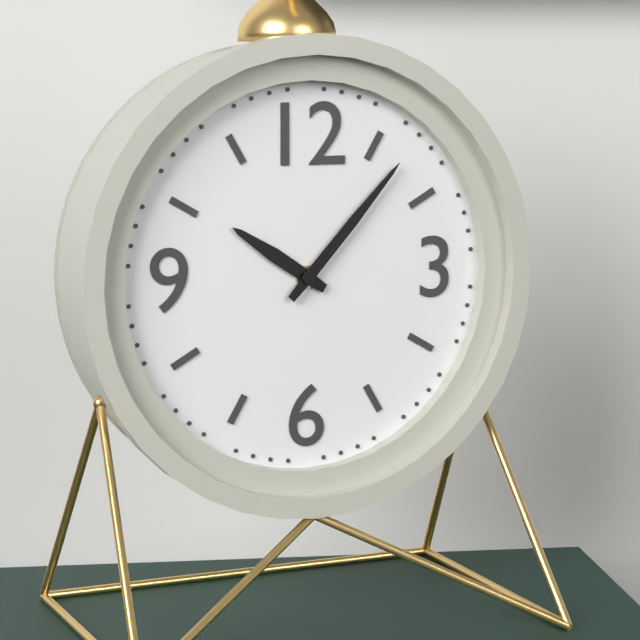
10:07
